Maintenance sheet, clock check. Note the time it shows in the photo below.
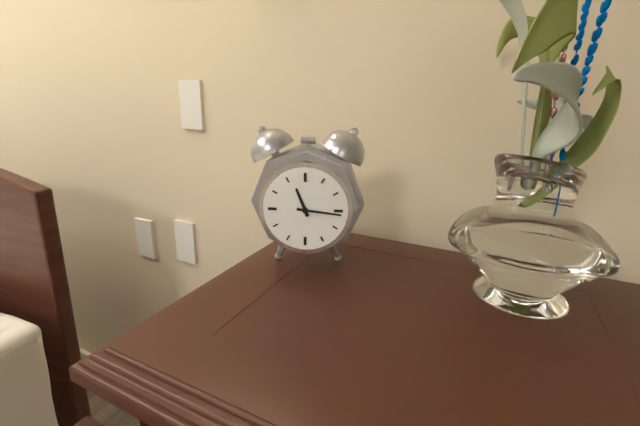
11:16
